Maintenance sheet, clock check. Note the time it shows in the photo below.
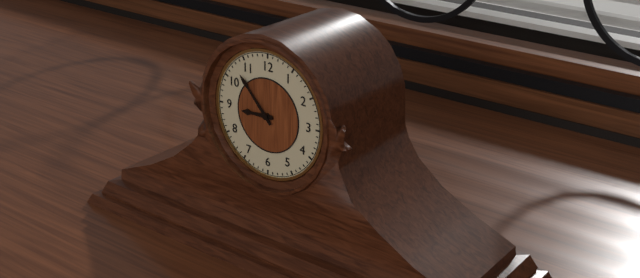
8:53
